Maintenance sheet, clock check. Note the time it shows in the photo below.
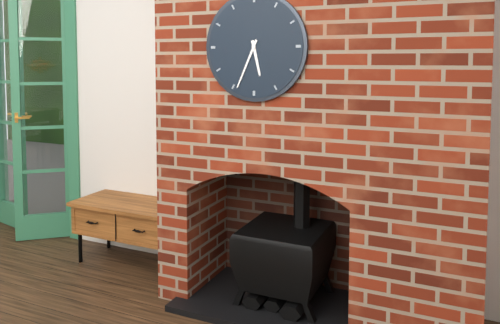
5:34
